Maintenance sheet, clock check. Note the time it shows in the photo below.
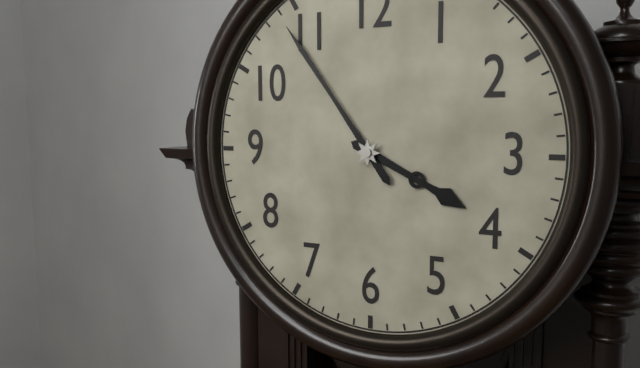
3:54
